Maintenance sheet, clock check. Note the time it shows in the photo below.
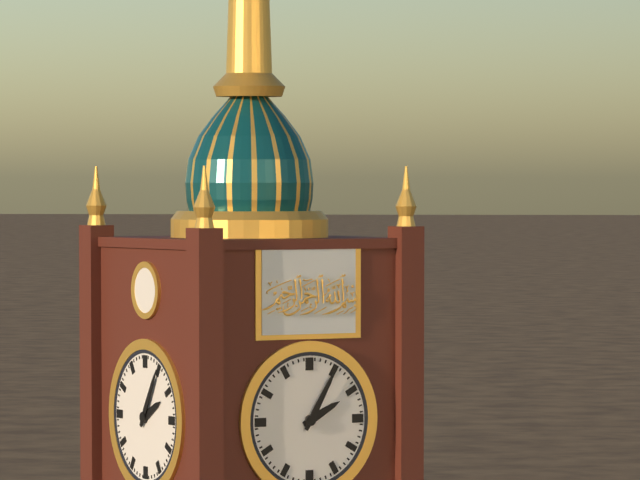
2:05
